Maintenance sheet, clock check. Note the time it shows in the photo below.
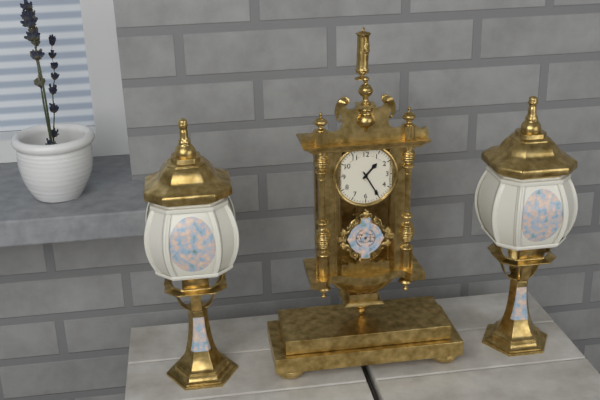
1:25
